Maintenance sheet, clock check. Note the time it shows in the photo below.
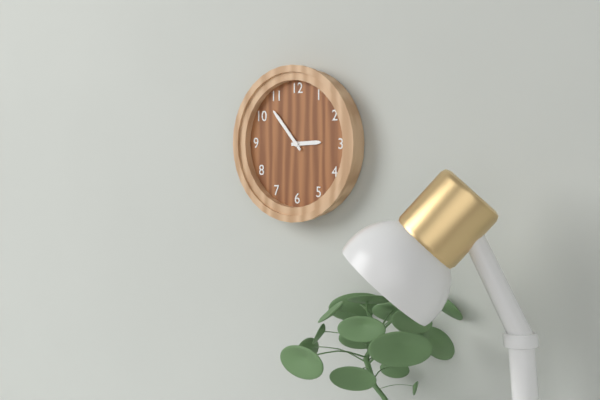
2:53
